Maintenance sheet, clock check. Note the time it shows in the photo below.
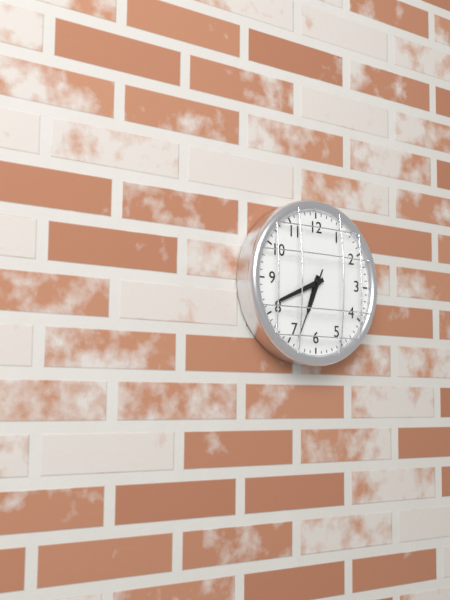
6:41:34
